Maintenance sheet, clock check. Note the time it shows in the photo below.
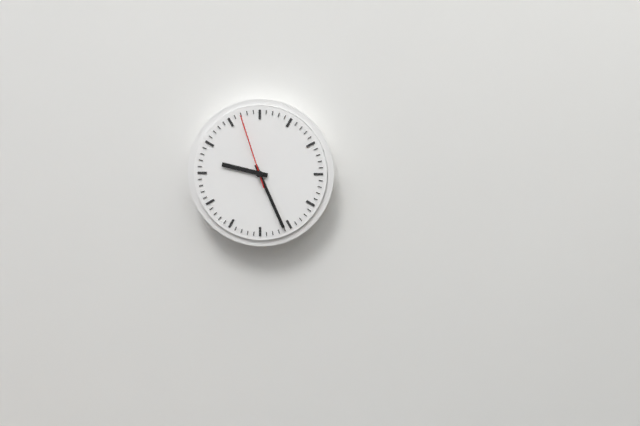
9:26:57
